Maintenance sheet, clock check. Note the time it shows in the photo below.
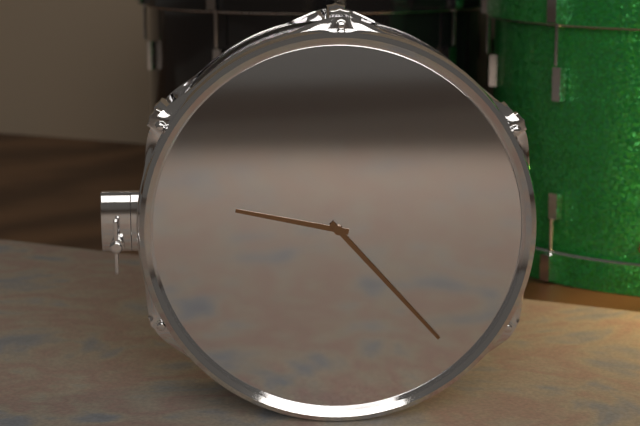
9:23
